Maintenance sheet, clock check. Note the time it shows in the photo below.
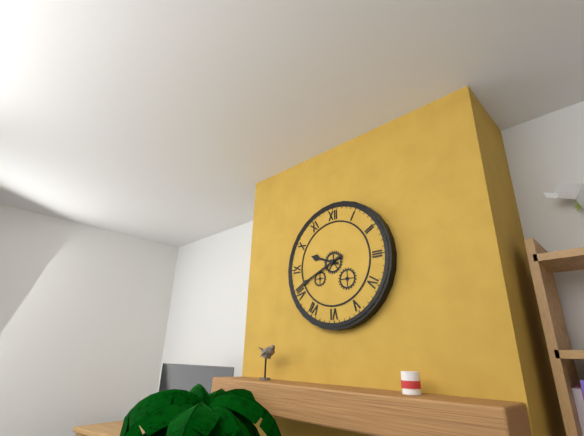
9:41
